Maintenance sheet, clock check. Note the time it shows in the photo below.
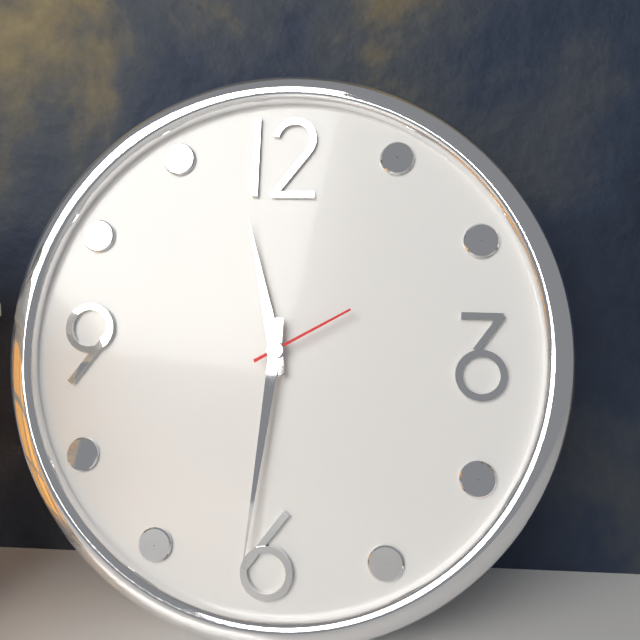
11:31:10
